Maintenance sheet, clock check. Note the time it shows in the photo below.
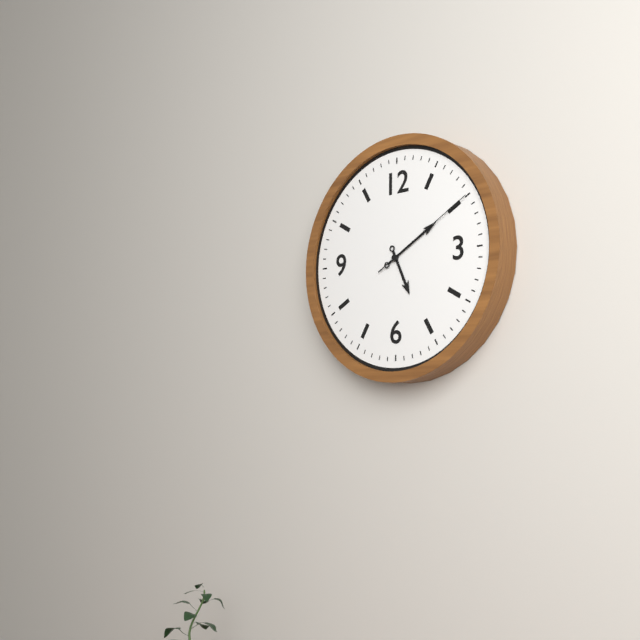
5:10:10
